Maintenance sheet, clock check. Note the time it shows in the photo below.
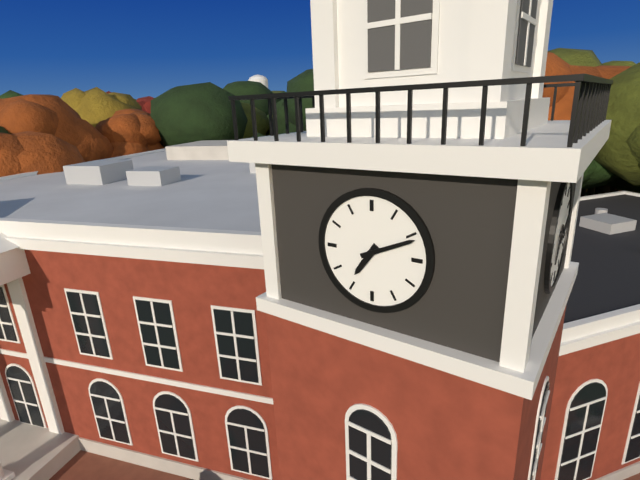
7:11
